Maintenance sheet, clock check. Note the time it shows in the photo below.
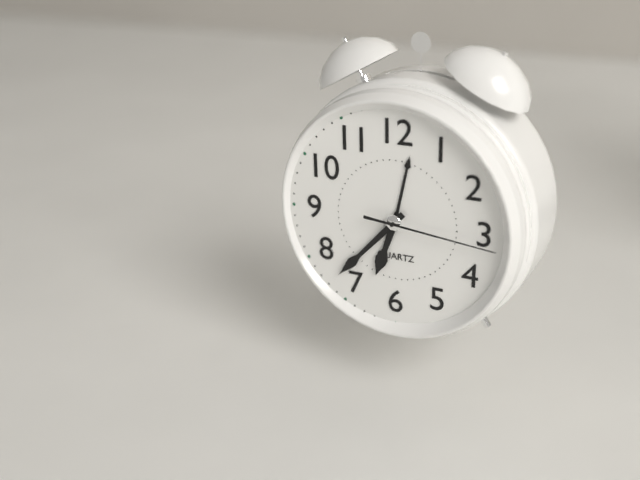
6:37:16
